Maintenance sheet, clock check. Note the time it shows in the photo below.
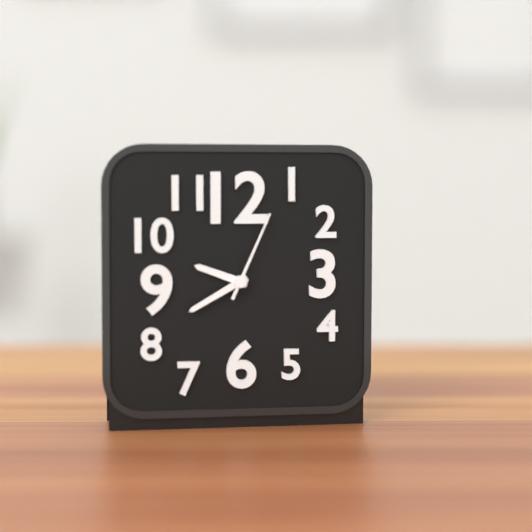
9:40:04
